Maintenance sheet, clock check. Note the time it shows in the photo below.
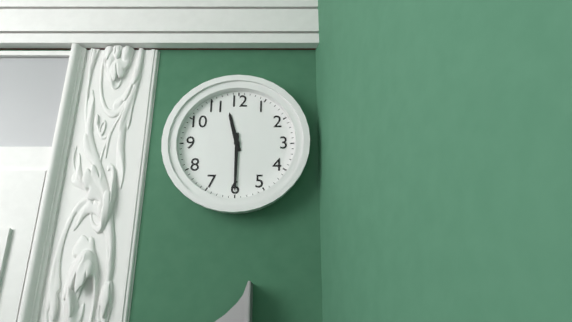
11:30
